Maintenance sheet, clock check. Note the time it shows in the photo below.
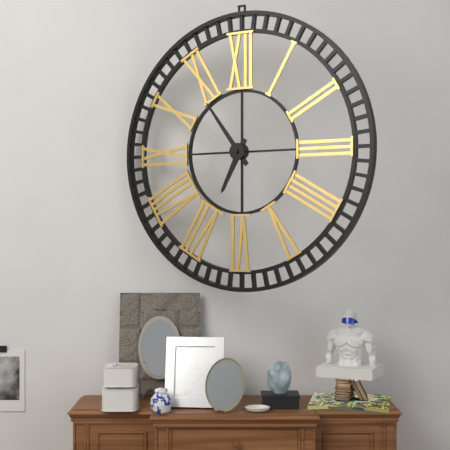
6:54
